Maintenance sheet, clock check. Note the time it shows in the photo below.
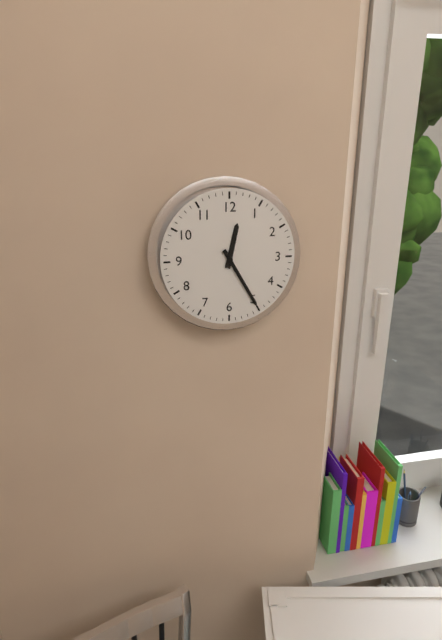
12:25
